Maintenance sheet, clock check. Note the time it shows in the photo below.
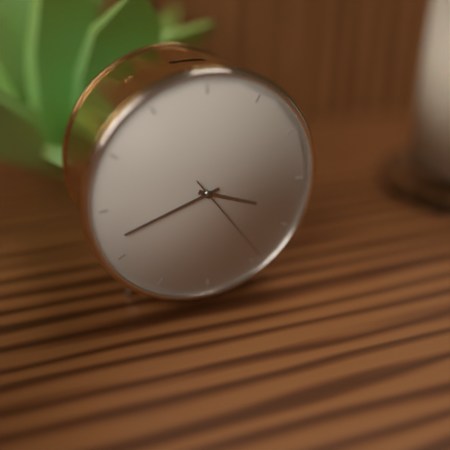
3:42:24
